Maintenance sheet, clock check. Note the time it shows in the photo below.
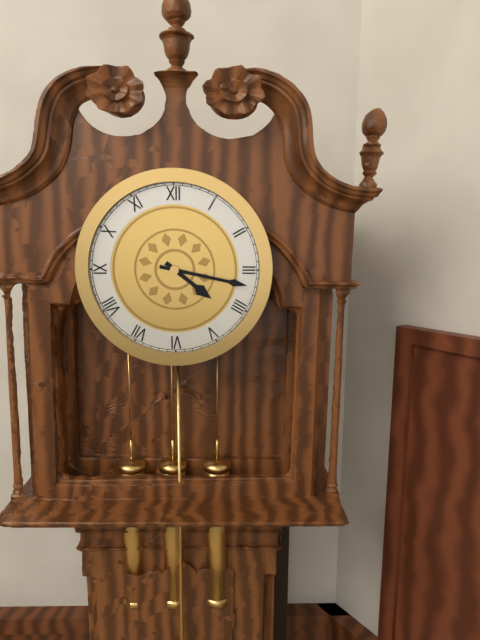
4:17
